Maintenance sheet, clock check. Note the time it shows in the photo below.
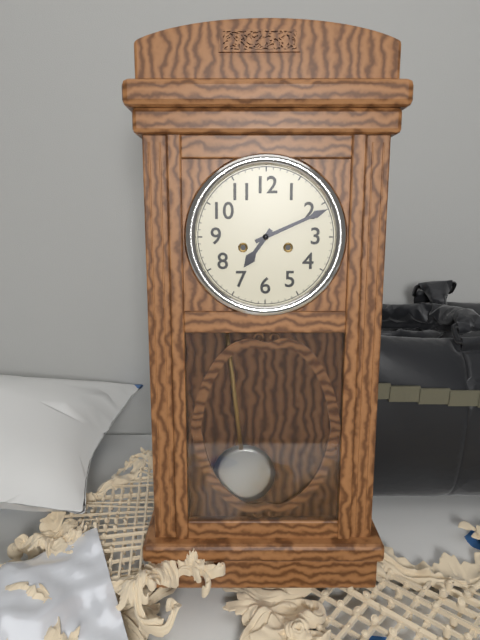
7:11
